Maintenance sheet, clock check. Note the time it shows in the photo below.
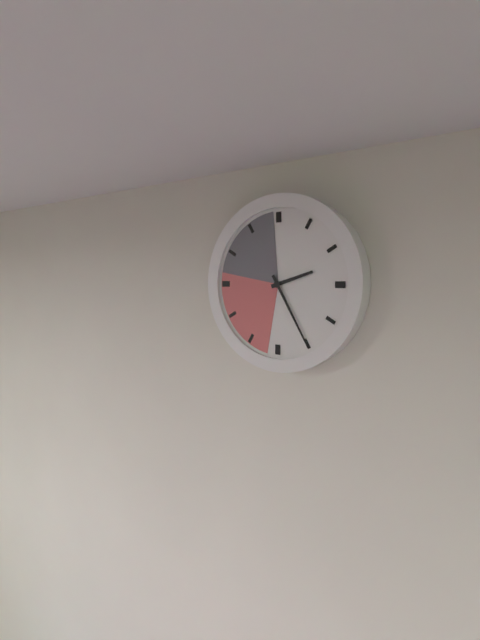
2:25
